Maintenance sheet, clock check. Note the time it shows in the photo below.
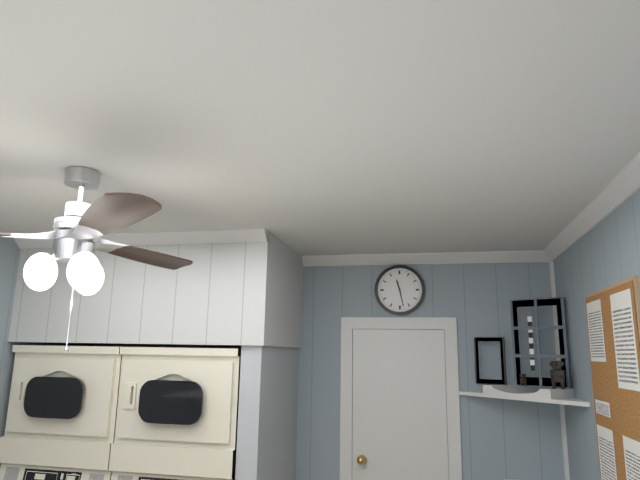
11:28
